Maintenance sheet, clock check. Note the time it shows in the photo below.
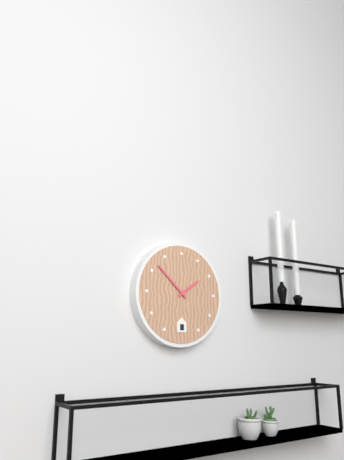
1:52
